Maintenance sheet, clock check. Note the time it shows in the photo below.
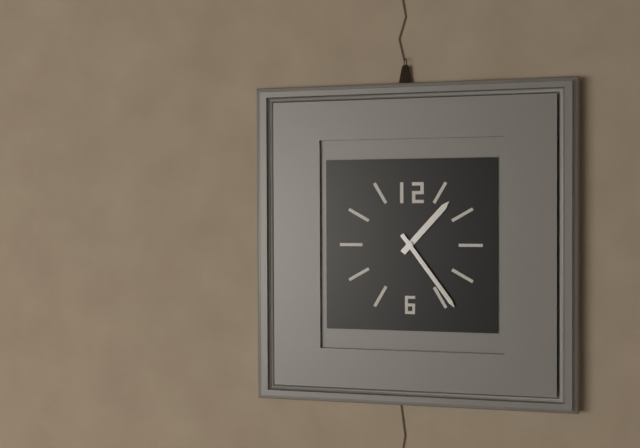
1:24
